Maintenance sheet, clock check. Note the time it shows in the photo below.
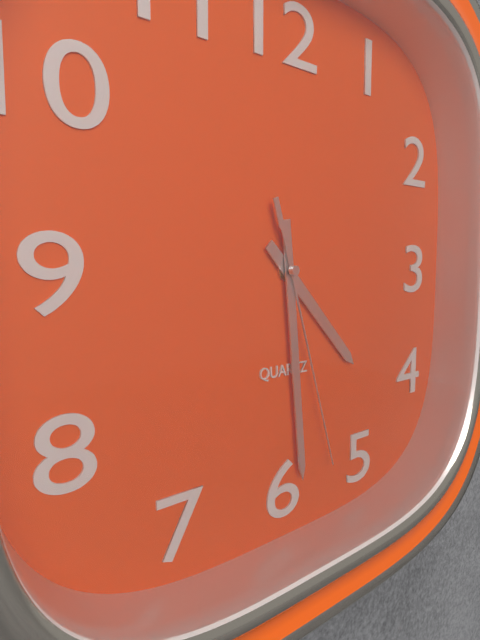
4:29:27
